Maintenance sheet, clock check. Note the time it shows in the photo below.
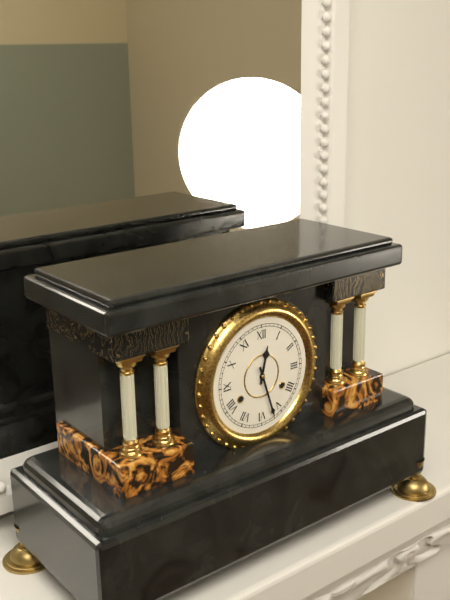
12:27
